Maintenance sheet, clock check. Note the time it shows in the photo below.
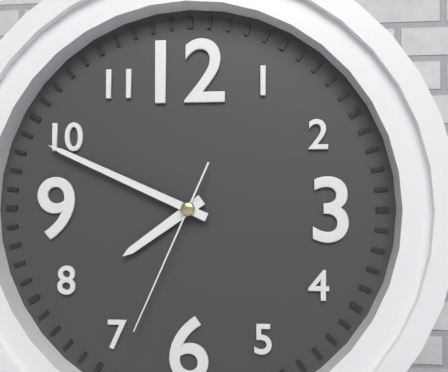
7:49:34
